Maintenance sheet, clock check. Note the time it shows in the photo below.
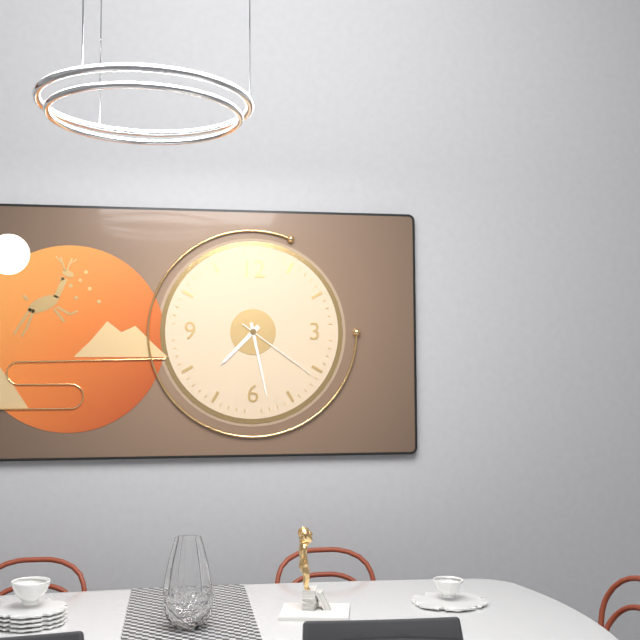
7:28:21
